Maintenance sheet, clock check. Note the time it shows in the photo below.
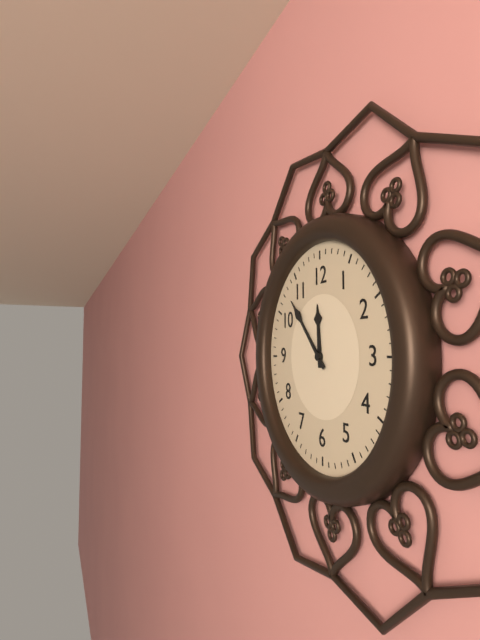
11:53
